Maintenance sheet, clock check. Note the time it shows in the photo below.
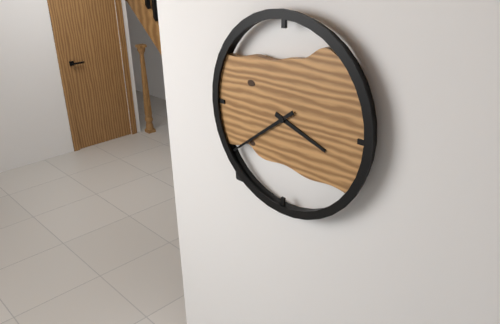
3:39
